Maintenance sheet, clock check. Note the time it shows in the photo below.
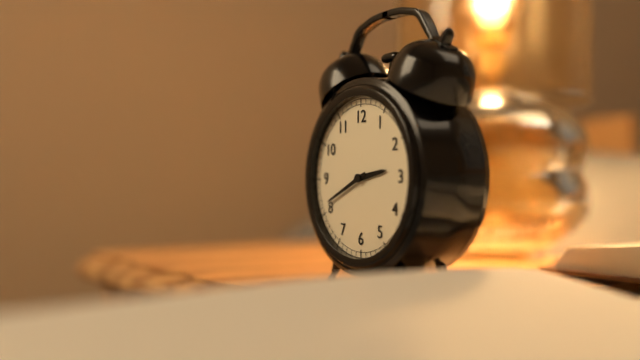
2:41
